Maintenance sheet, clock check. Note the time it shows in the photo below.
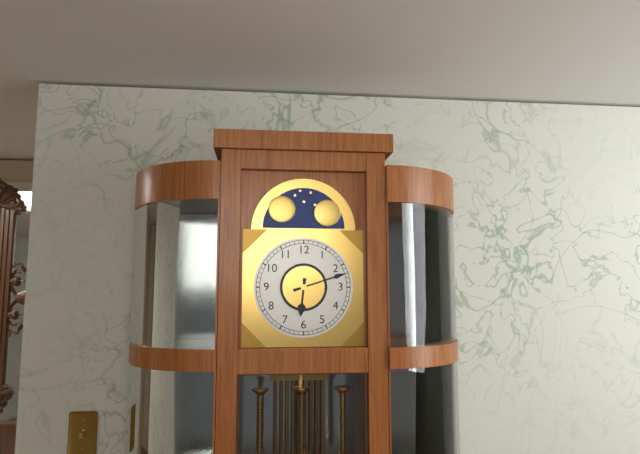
6:12
